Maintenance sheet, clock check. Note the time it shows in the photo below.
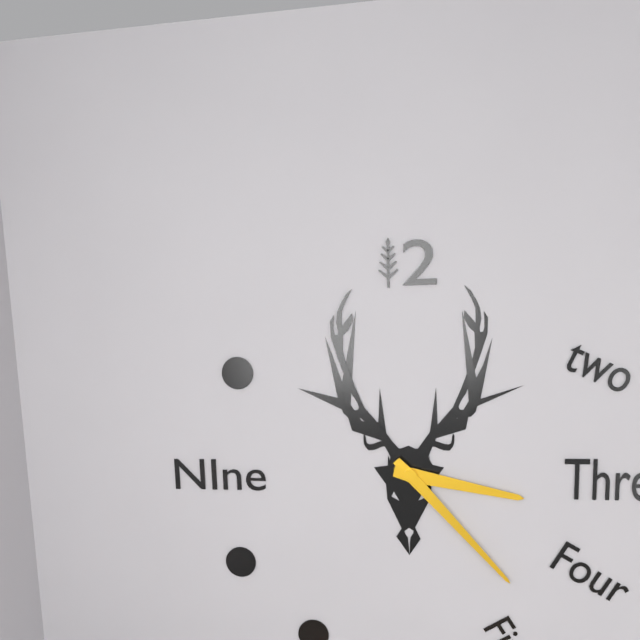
3:23
